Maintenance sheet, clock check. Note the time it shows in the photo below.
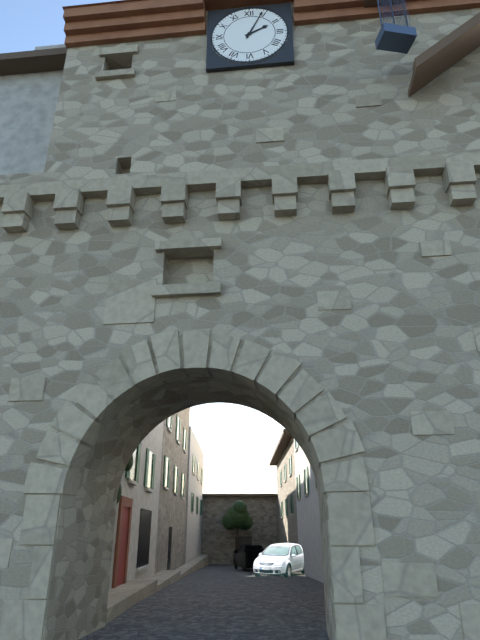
2:04
